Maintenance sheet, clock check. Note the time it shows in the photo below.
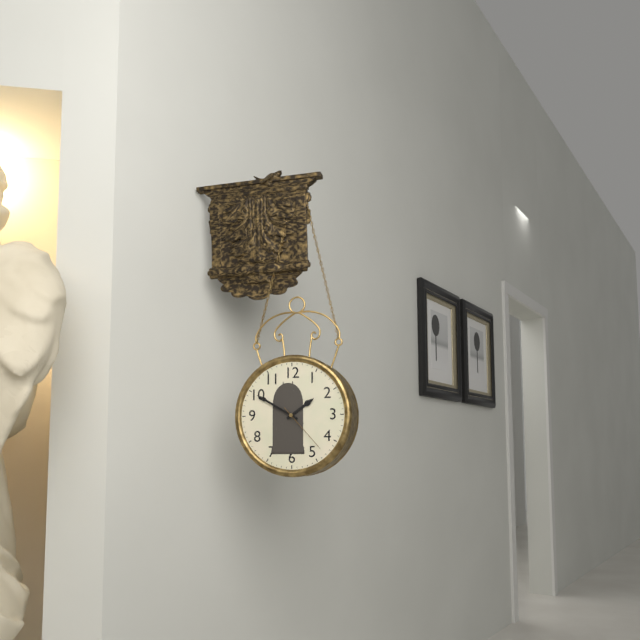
1:50:23
